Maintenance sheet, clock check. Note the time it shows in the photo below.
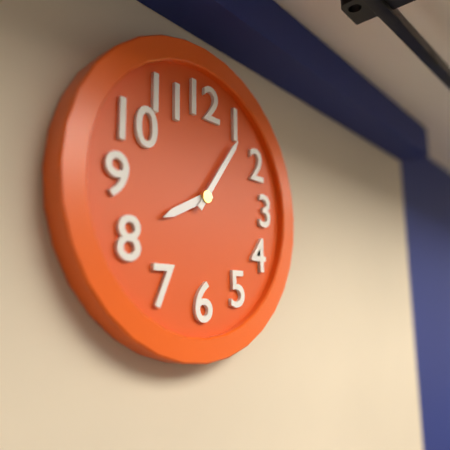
8:06
